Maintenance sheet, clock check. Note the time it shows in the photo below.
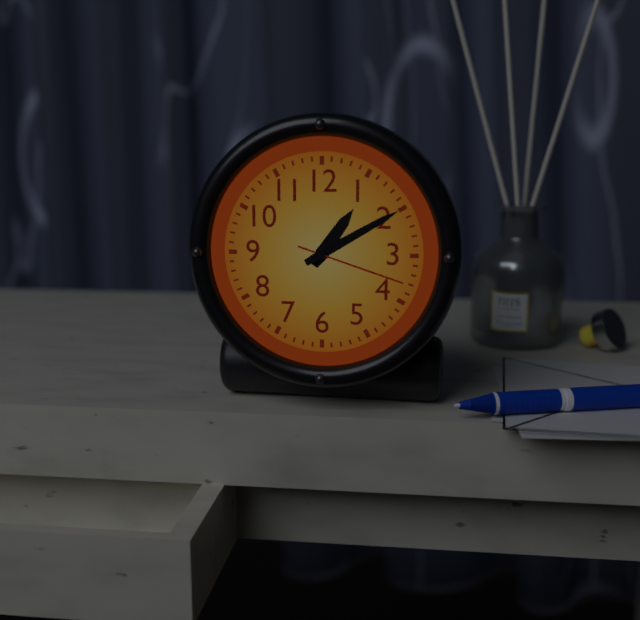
1:10:18
